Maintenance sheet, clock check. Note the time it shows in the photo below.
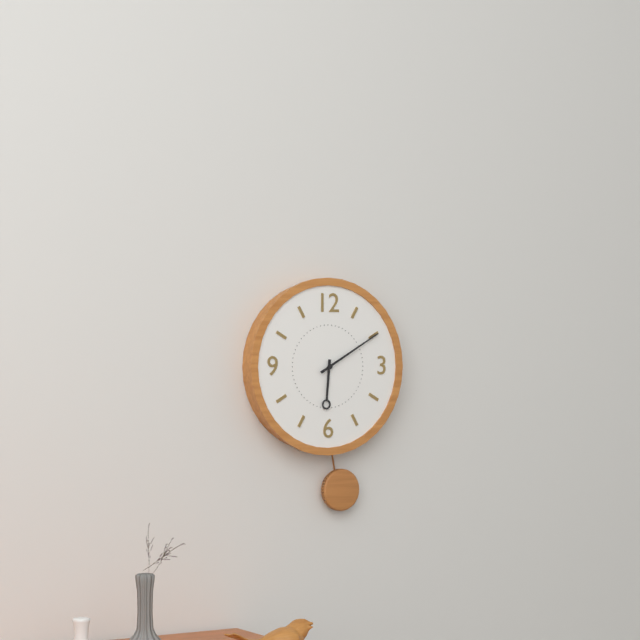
6:10
